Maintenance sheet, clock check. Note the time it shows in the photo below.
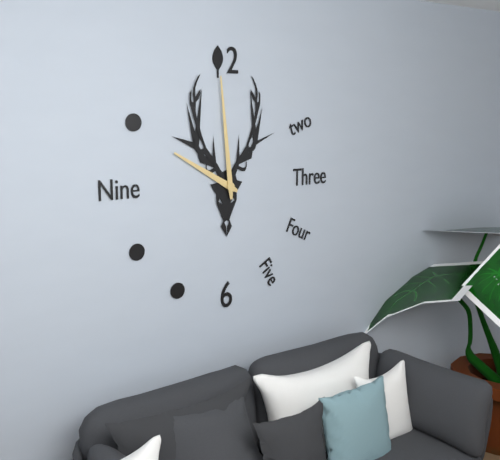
9:59
